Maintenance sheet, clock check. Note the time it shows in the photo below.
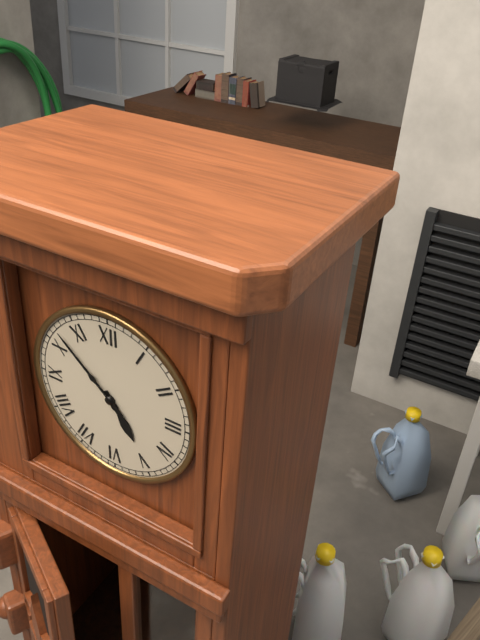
4:52
